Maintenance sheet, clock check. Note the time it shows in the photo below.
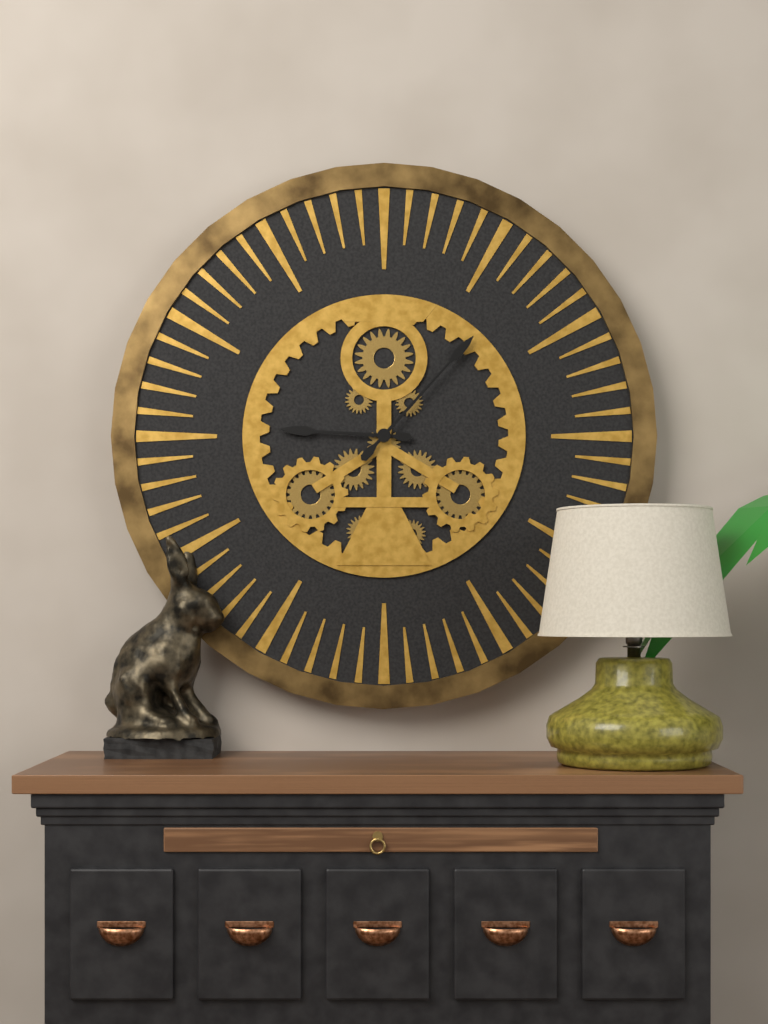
9:07
